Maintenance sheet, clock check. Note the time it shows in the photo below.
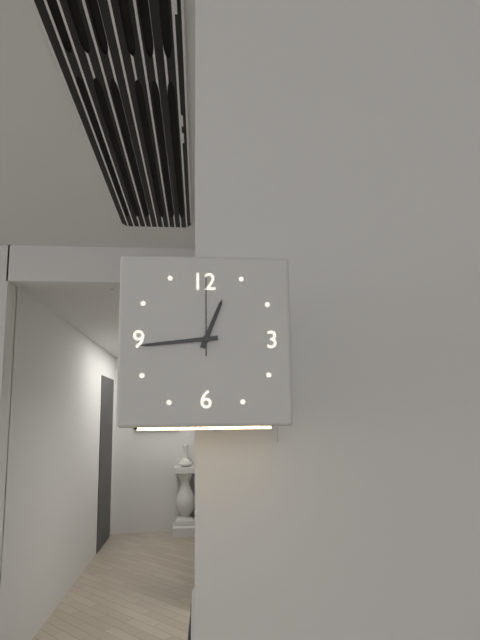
12:44:00
